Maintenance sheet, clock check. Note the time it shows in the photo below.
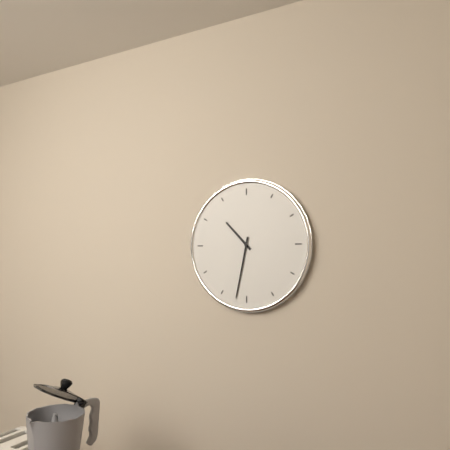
10:32
